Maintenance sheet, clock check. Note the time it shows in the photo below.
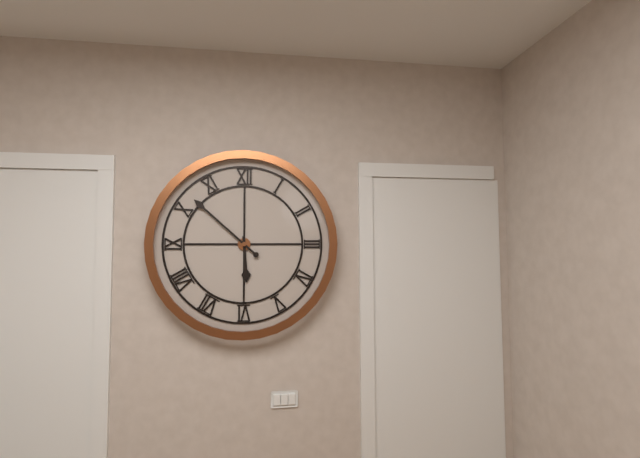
5:52
